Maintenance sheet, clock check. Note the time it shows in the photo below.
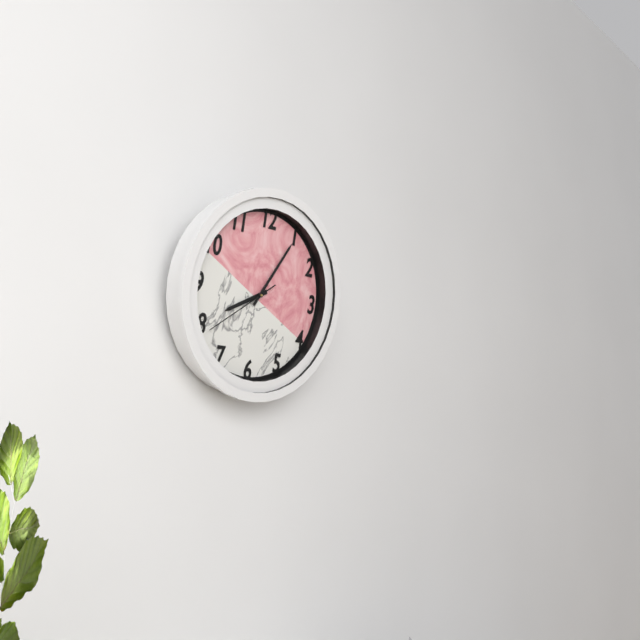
8:05:39
